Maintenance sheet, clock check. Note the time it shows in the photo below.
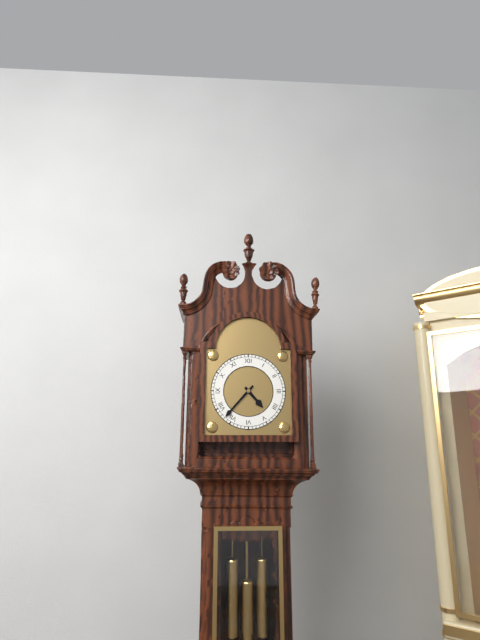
4:37
